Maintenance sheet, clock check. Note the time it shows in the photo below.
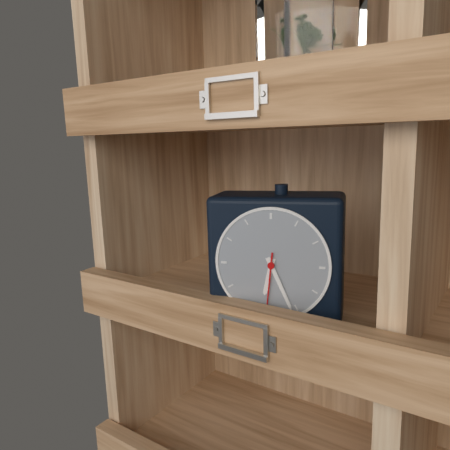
6:26:31
